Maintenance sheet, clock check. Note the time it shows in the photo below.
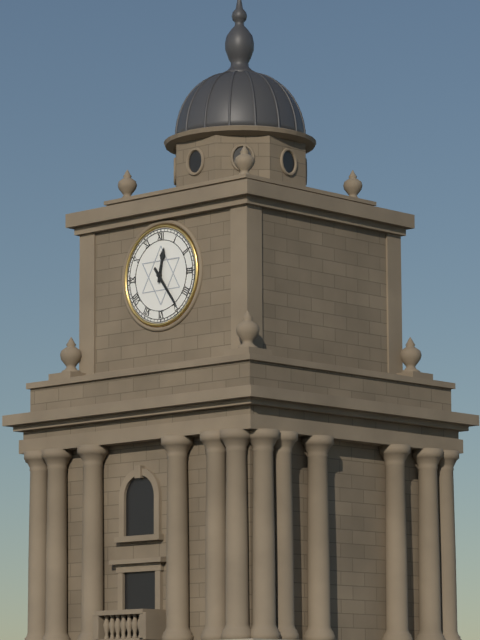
12:24
